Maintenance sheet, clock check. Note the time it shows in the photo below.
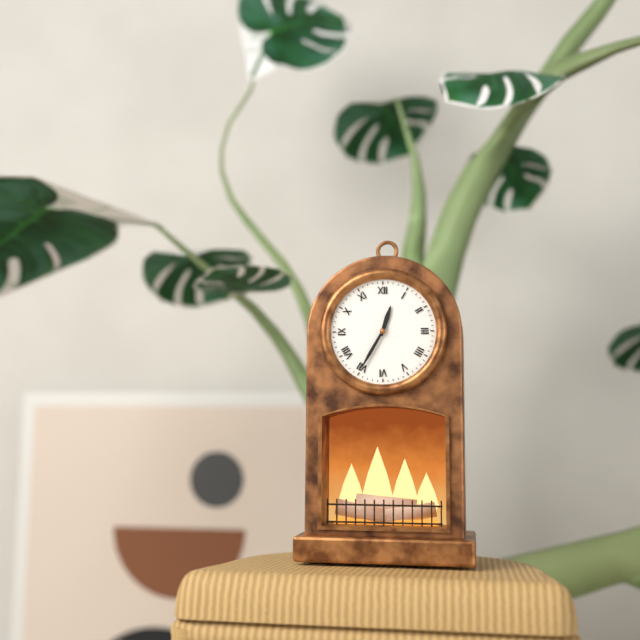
12:35
